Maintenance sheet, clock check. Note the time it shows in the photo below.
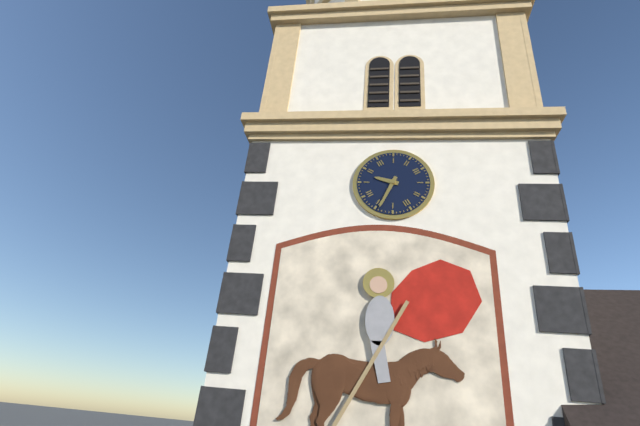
9:34
